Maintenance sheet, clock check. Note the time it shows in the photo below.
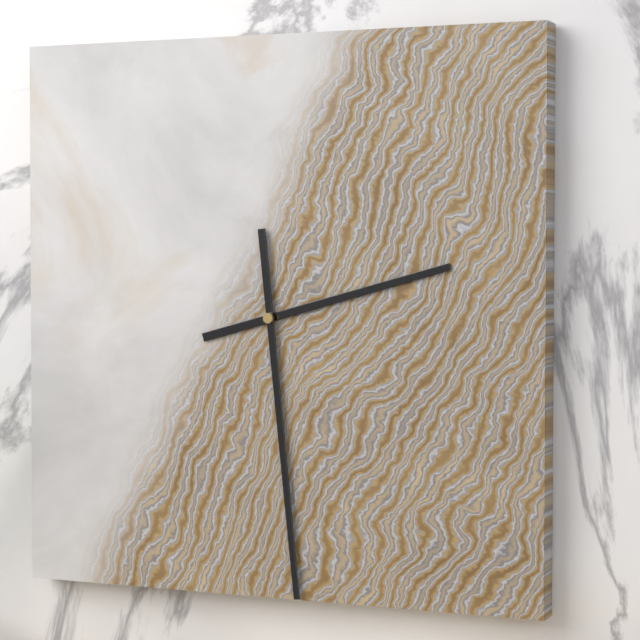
2:29
